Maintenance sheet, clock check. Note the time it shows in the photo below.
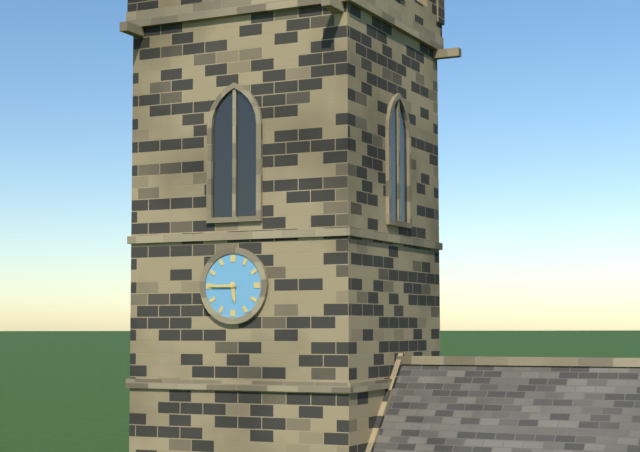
5:45
